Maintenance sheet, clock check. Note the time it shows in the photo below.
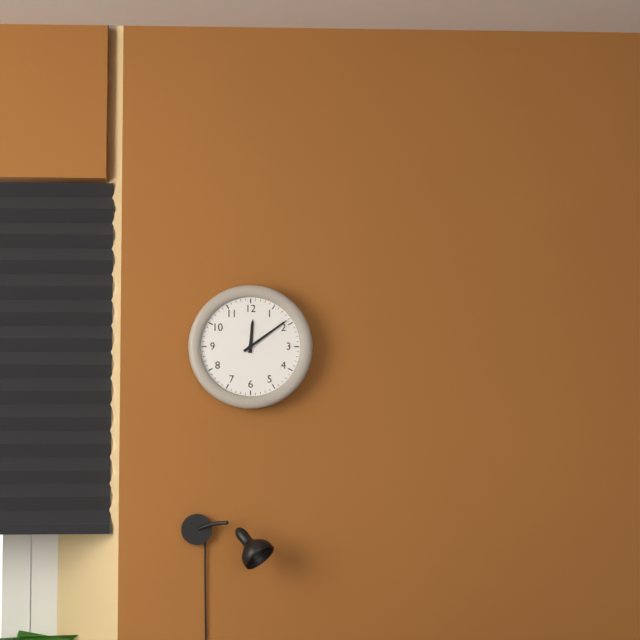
12:09
